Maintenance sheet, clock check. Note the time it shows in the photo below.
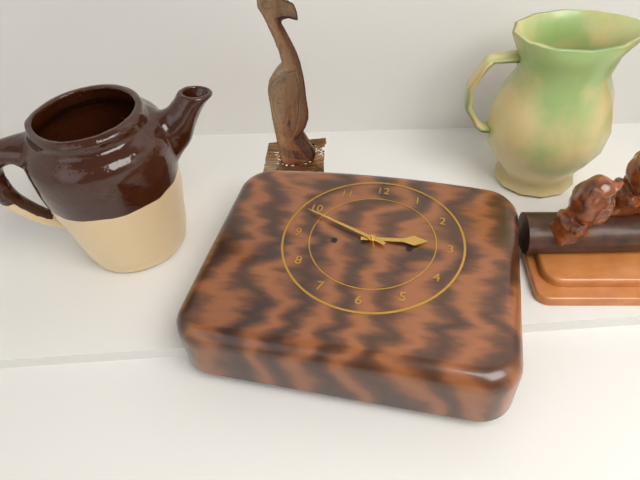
2:49
